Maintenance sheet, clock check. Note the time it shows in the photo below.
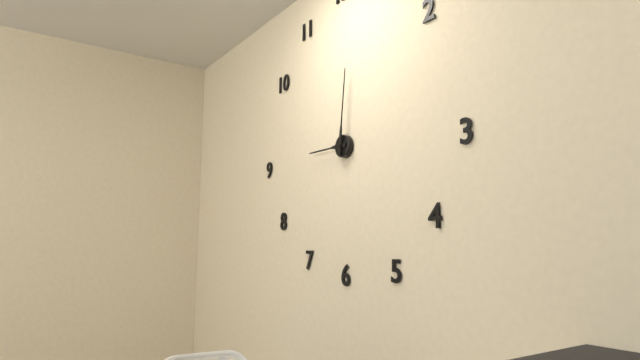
9:01
